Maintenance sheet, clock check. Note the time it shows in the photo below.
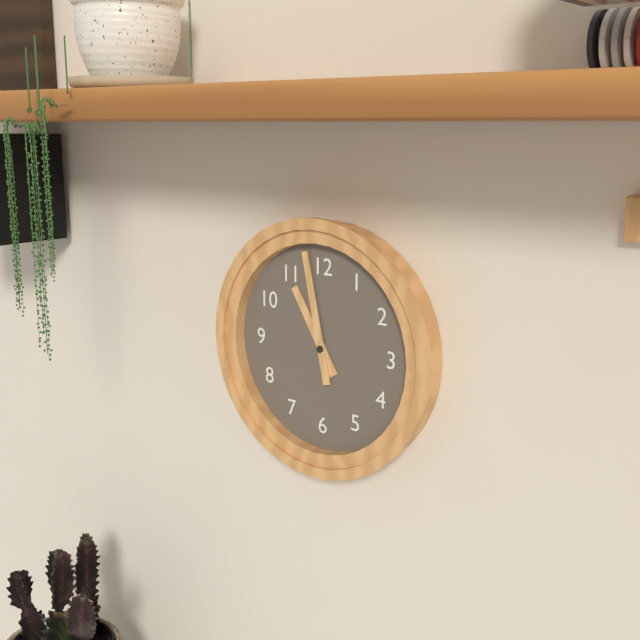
10:58
